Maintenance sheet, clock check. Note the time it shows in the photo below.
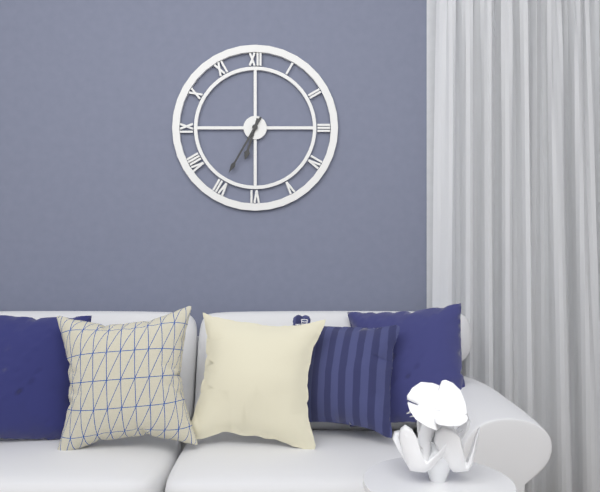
6:35
